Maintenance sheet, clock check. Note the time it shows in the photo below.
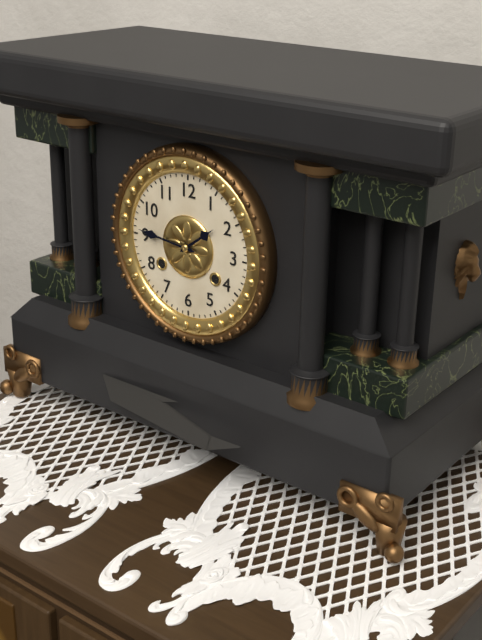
1:46
